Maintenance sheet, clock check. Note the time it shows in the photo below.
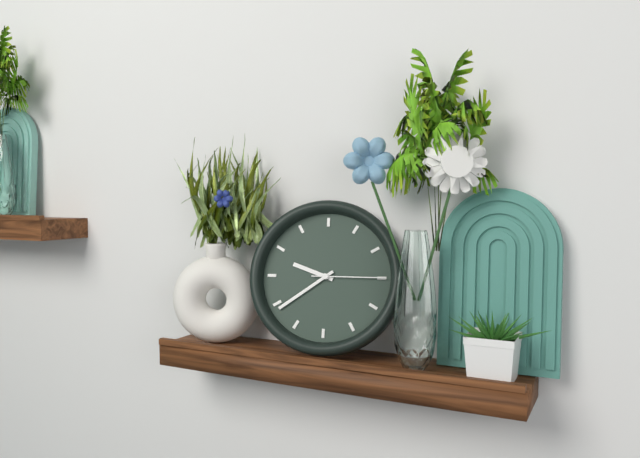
9:39:15
